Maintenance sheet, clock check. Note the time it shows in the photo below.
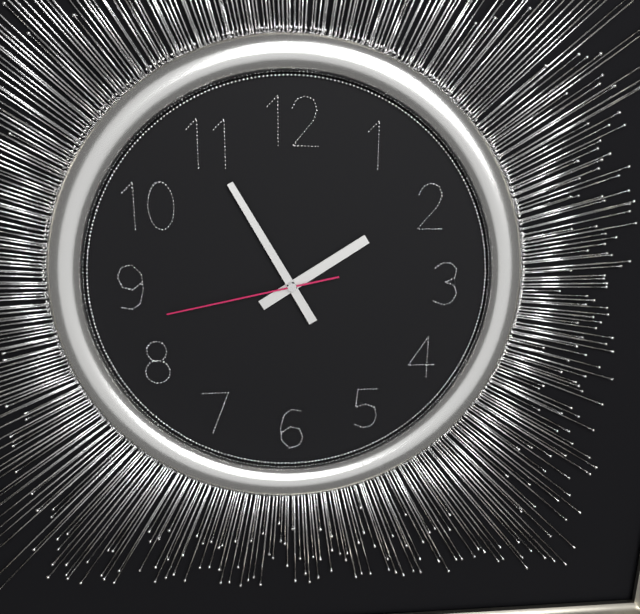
1:55:43
